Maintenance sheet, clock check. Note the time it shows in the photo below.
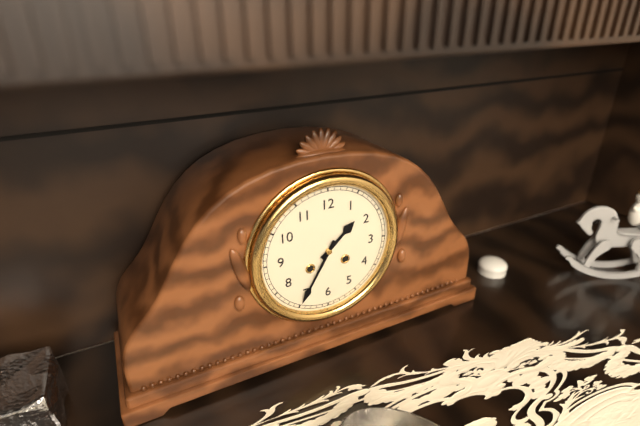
1:35
